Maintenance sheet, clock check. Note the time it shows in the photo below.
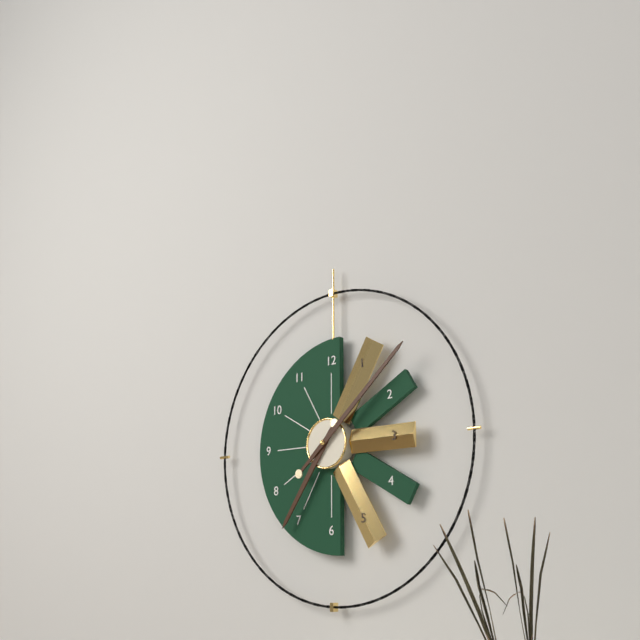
7:08
